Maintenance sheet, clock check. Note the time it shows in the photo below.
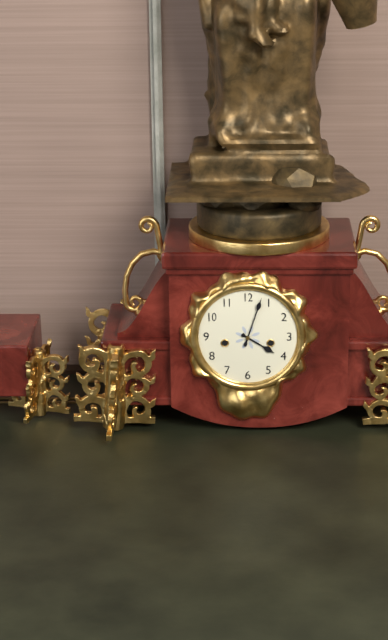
4:03
